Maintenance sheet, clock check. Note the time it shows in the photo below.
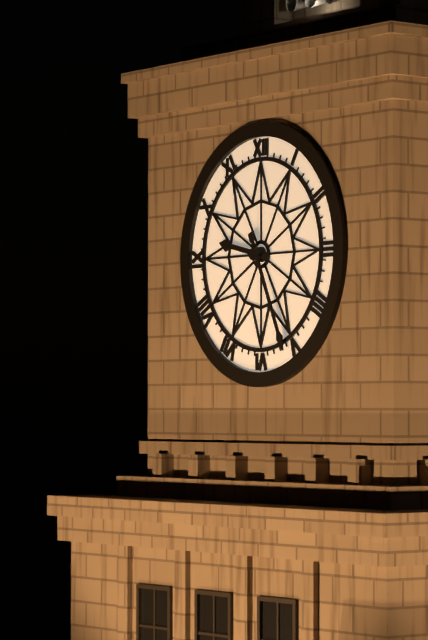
9:26
